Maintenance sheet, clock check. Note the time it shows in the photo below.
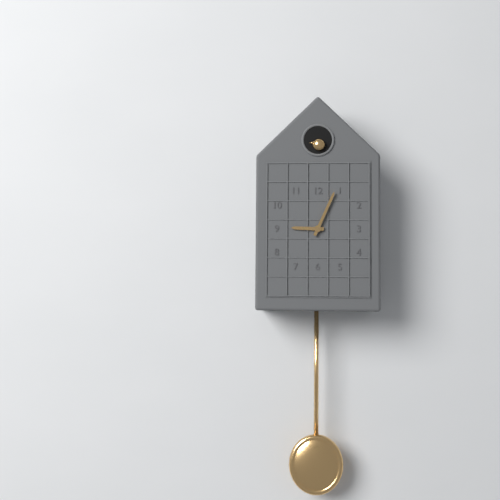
9:04
